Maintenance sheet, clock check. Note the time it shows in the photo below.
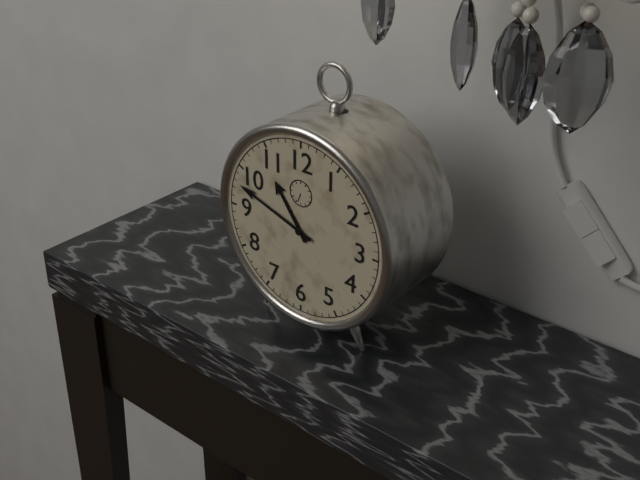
10:48
